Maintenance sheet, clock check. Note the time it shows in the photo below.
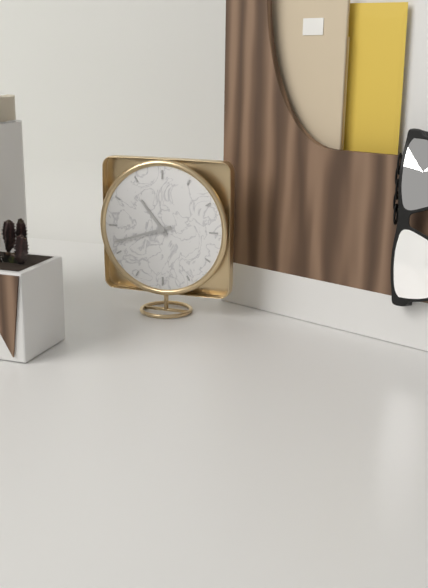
10:42
